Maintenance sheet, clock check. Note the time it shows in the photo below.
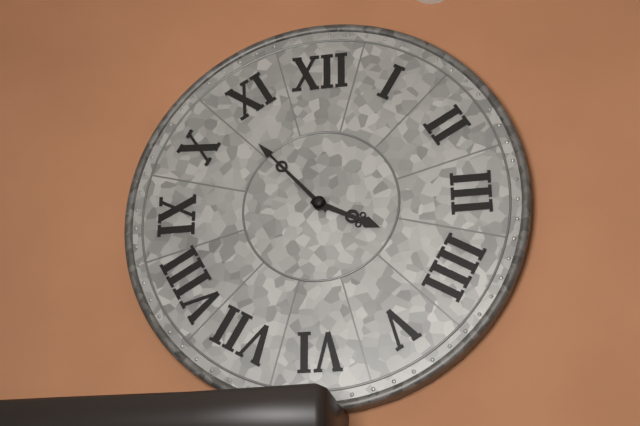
3:53
